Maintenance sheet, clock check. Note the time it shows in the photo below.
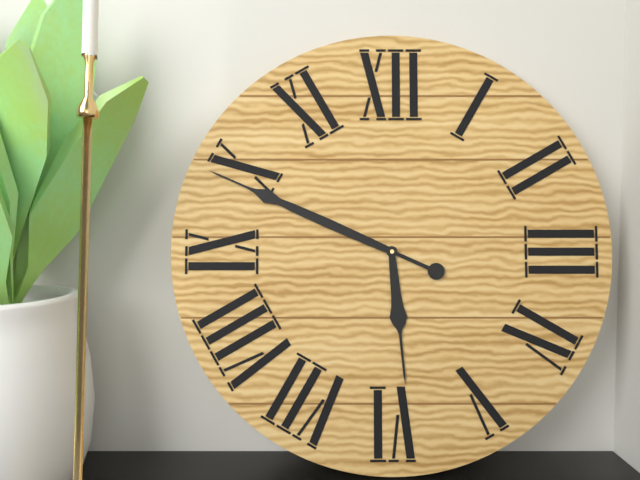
5:49
